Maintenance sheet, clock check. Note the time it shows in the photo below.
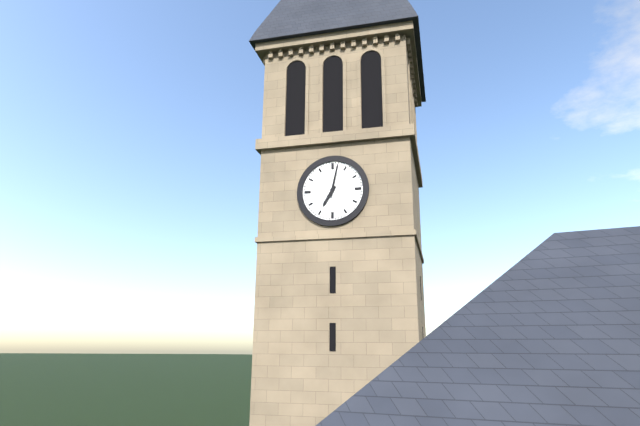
7:02
